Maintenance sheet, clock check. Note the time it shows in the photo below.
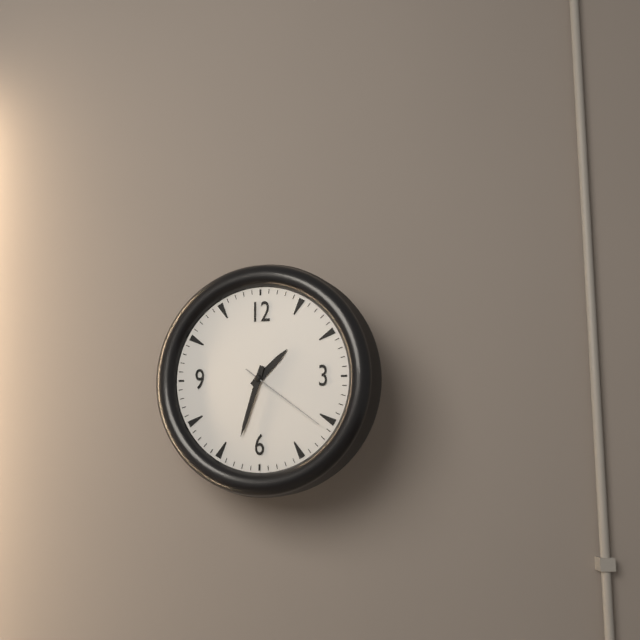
1:33:21
